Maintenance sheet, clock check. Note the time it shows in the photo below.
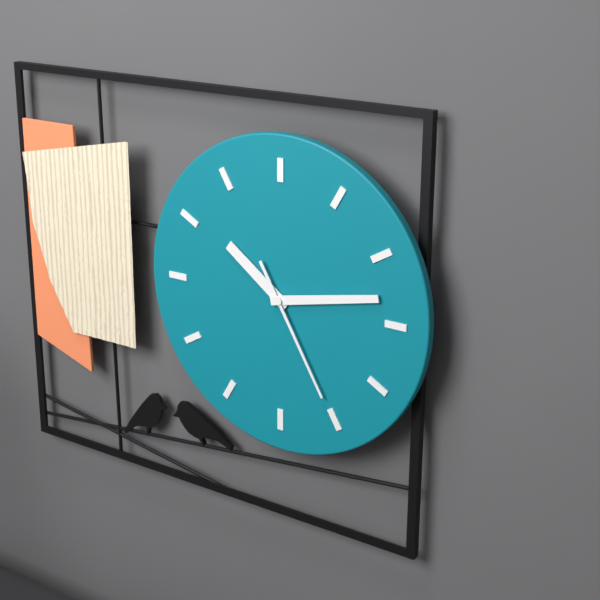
10:13:25
